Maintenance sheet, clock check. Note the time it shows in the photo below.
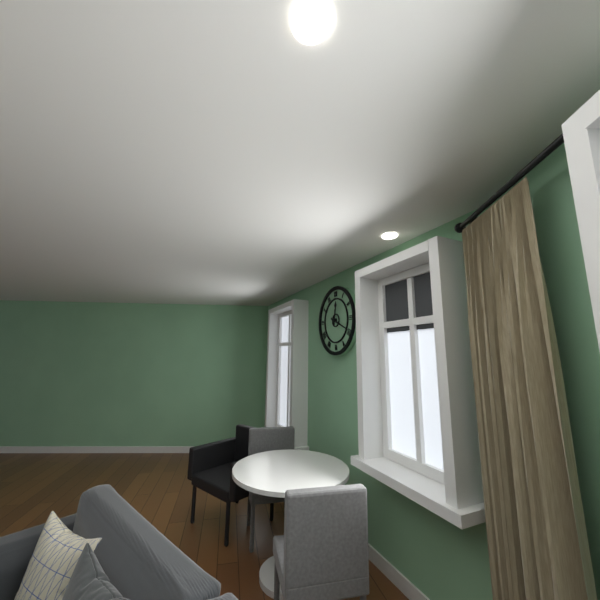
12:19
